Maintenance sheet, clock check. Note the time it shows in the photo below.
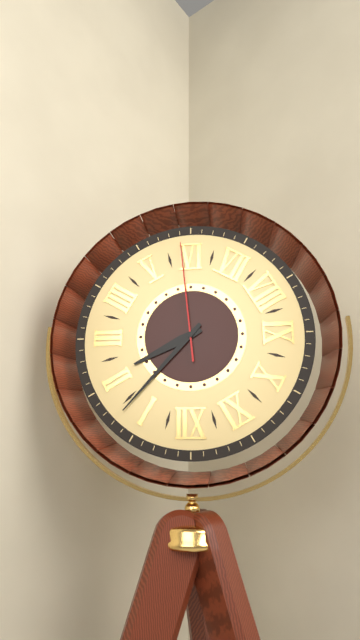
2:07:29
